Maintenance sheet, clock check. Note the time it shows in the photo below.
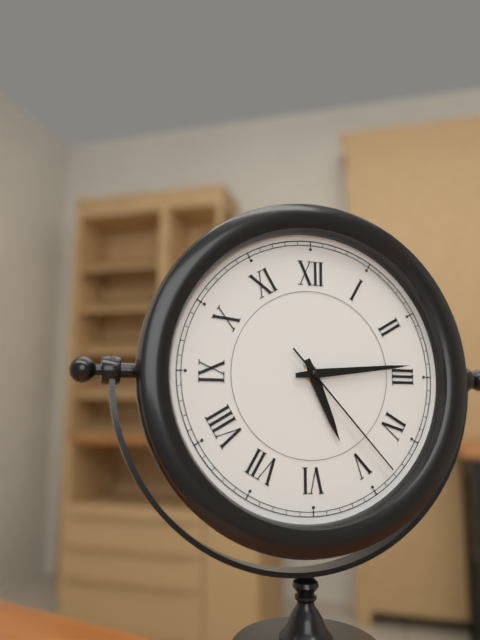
5:14:23
